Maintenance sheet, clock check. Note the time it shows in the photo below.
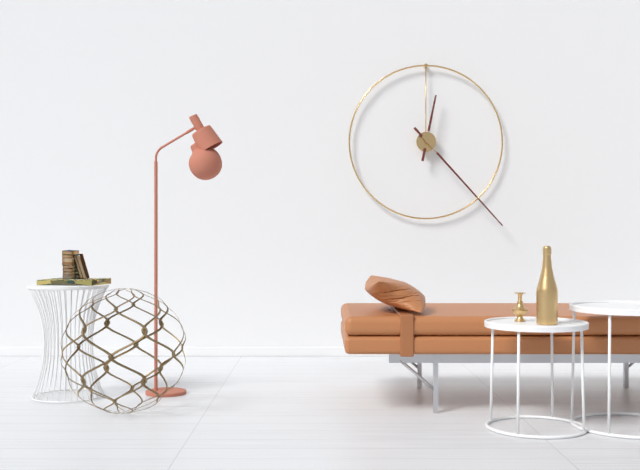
12:23
